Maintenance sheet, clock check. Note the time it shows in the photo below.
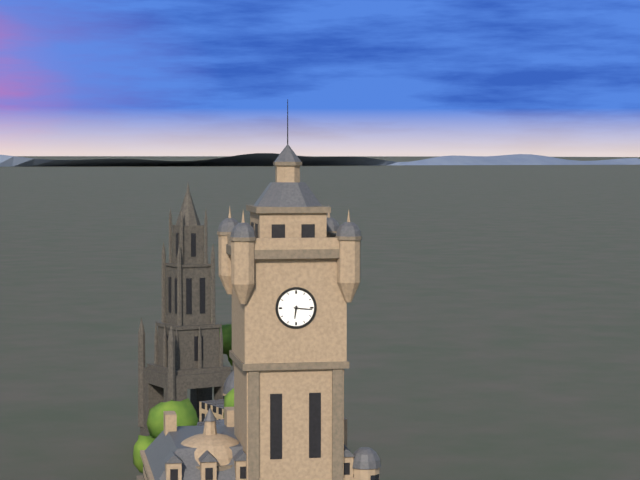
6:16
